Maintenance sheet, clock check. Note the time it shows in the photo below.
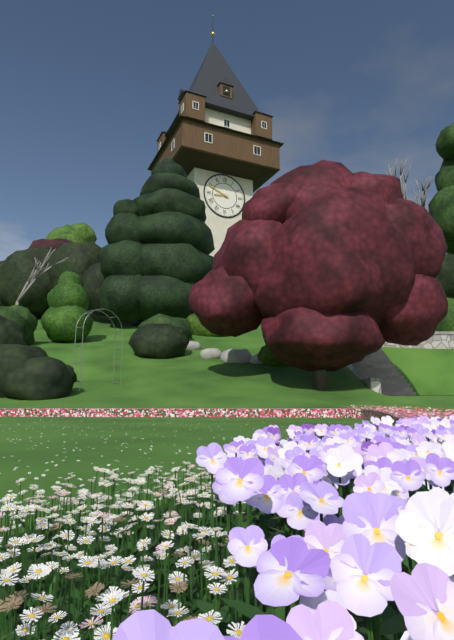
8:49
